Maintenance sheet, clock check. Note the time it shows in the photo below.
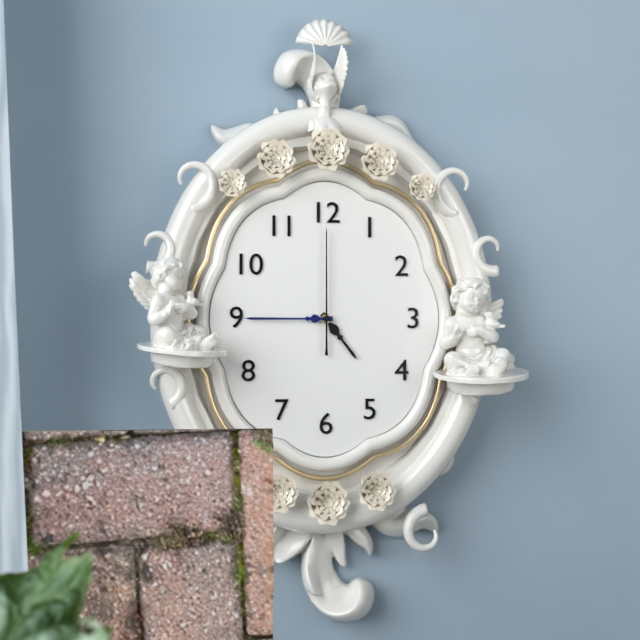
4:45:00
